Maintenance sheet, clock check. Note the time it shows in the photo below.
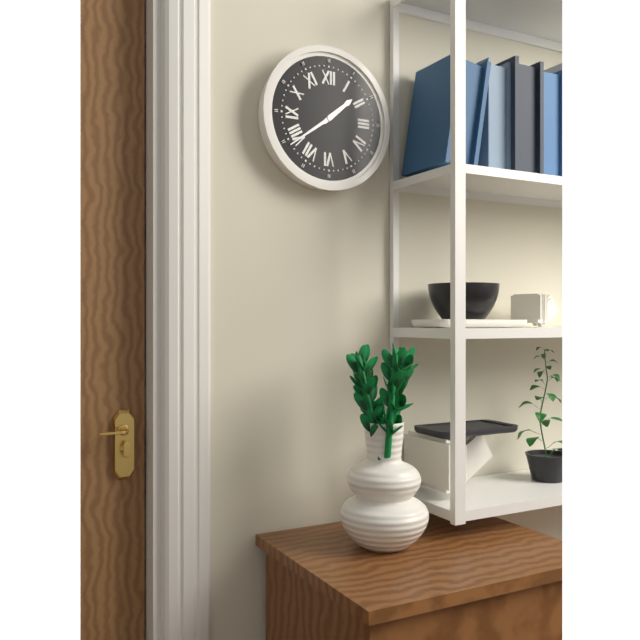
1:39
